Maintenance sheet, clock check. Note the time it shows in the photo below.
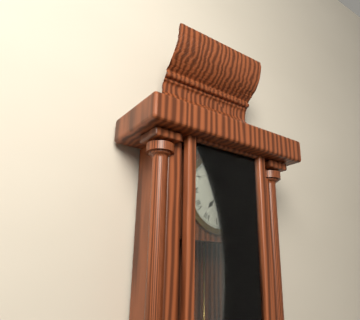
7:18
